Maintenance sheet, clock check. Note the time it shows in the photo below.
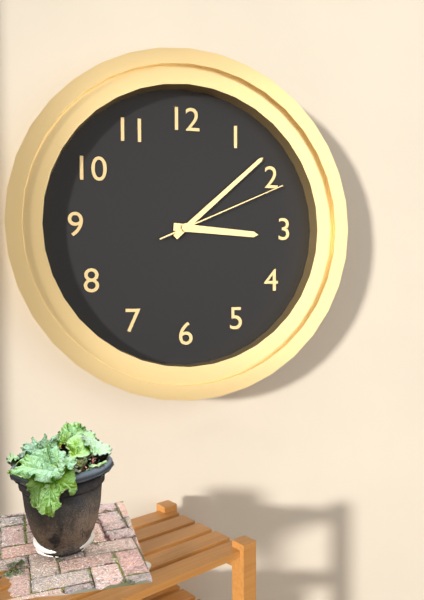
3:08:11
